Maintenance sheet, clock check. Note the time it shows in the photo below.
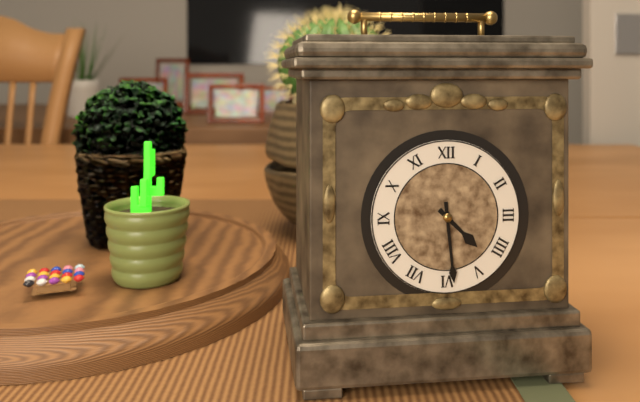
4:29
